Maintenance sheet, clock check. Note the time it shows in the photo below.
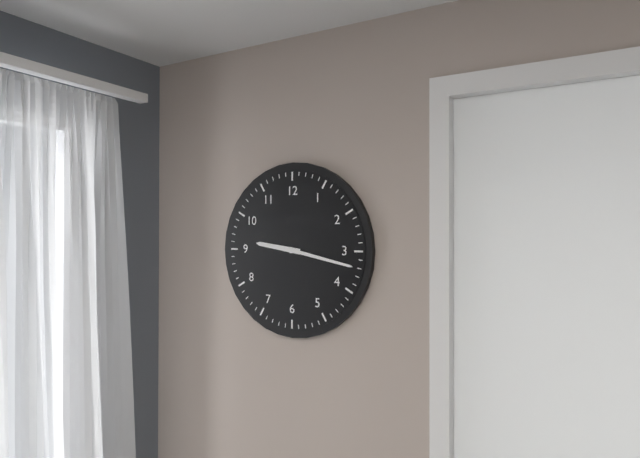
9:17
